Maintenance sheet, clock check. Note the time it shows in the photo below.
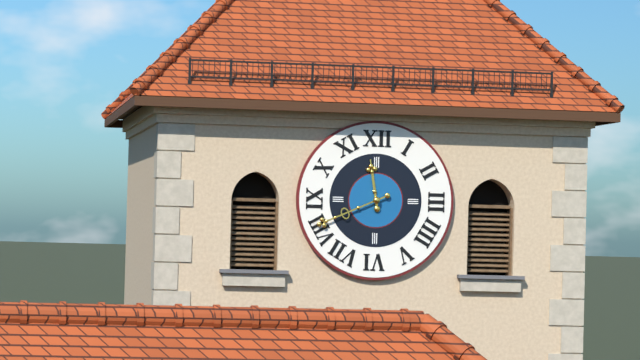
11:41
